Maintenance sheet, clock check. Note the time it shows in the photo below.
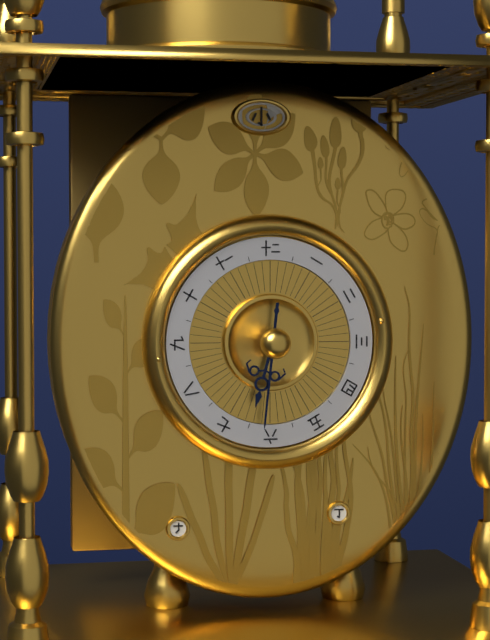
6:31
